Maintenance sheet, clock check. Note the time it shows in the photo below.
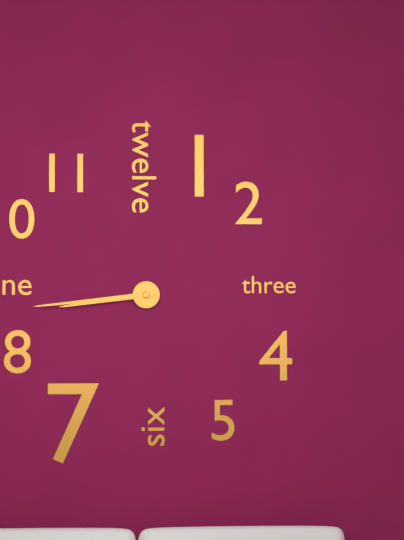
8:44
